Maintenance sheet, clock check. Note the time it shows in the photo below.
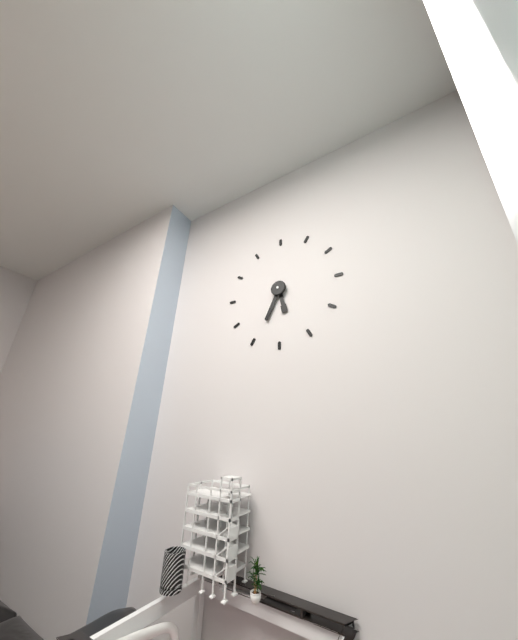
5:34
